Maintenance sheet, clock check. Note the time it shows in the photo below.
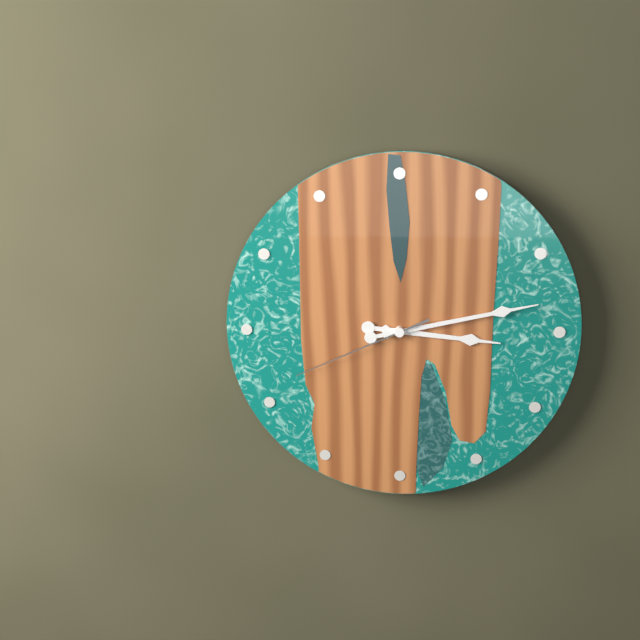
3:13:41
